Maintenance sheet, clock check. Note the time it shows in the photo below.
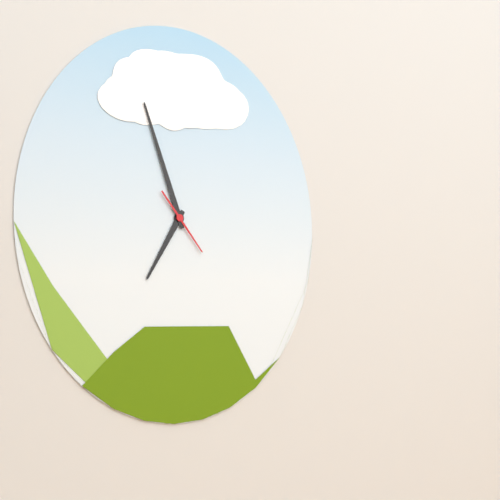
6:57:24
